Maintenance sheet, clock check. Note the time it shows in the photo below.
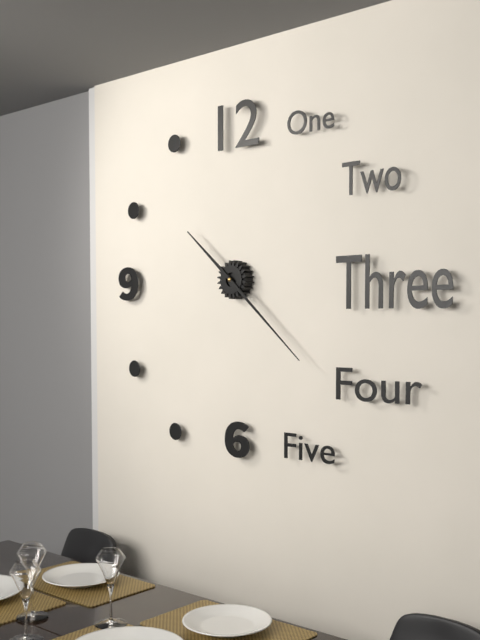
10:22
